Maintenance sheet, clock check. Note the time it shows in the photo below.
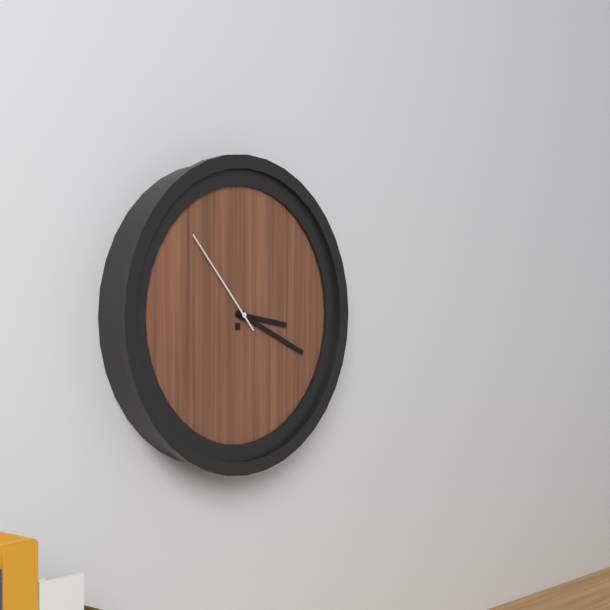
3:19:53
